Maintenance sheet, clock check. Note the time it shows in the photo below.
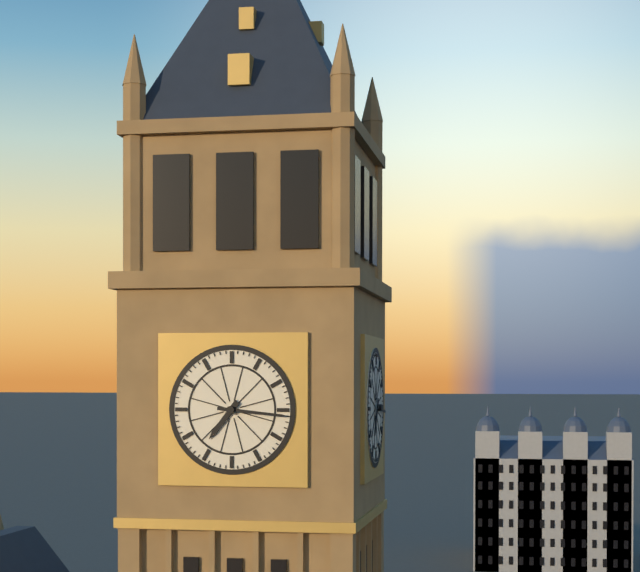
7:16
